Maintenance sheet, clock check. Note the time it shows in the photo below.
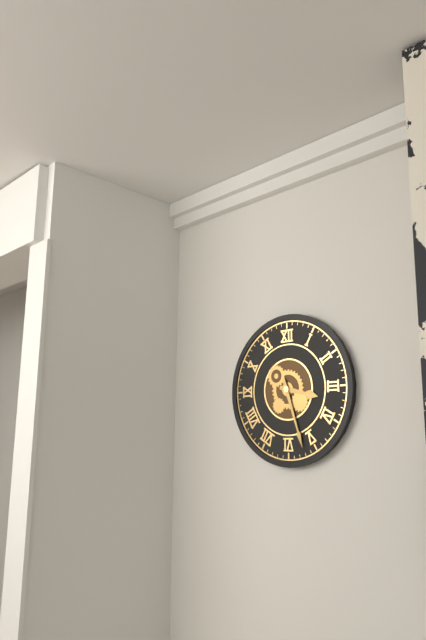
3:27
